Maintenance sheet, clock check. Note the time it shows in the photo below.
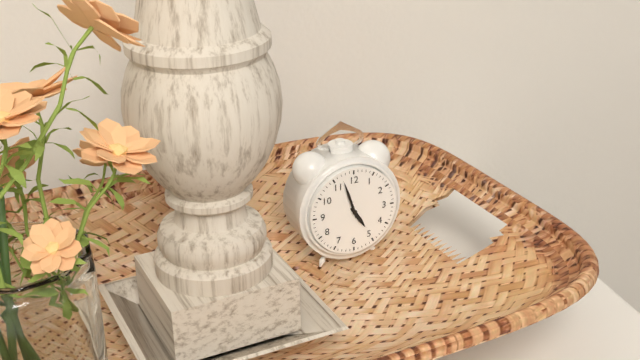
4:57
